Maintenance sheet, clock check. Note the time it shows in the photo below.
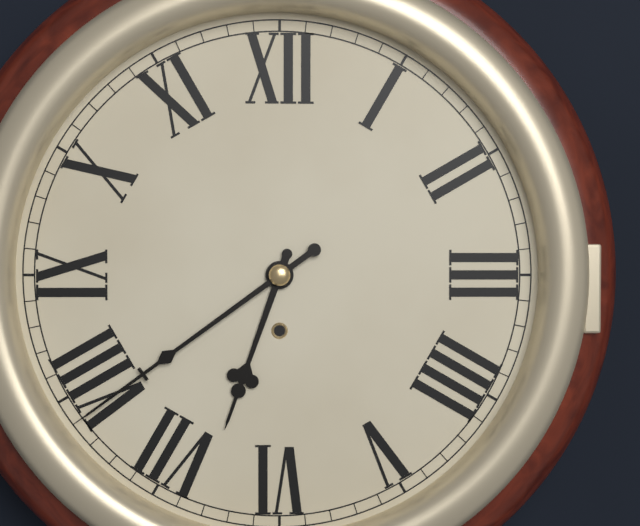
6:39
